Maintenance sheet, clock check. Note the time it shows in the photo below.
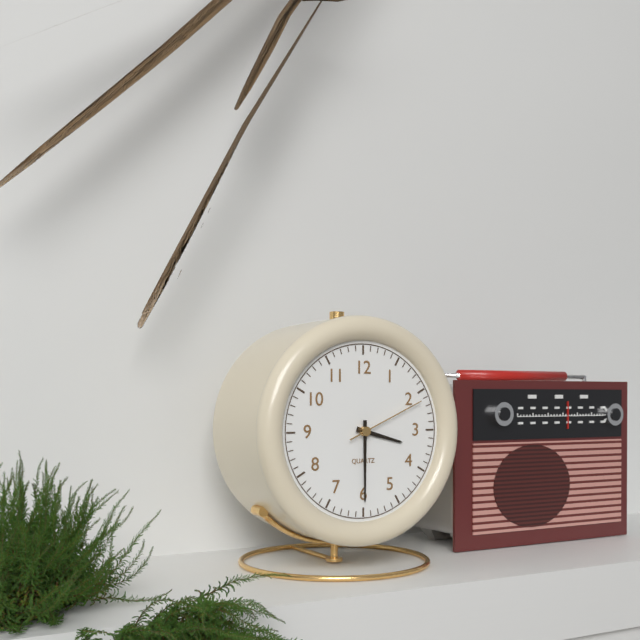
3:30:11
